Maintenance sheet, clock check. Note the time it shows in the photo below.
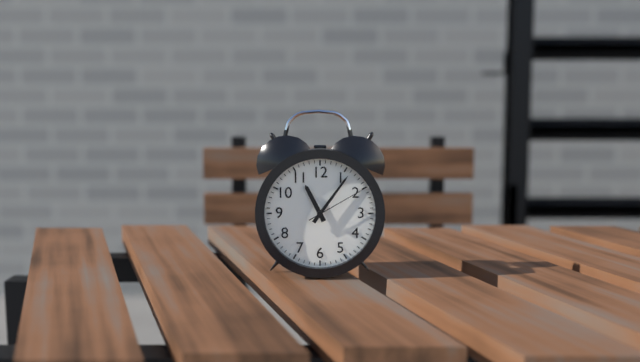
11:06:10
